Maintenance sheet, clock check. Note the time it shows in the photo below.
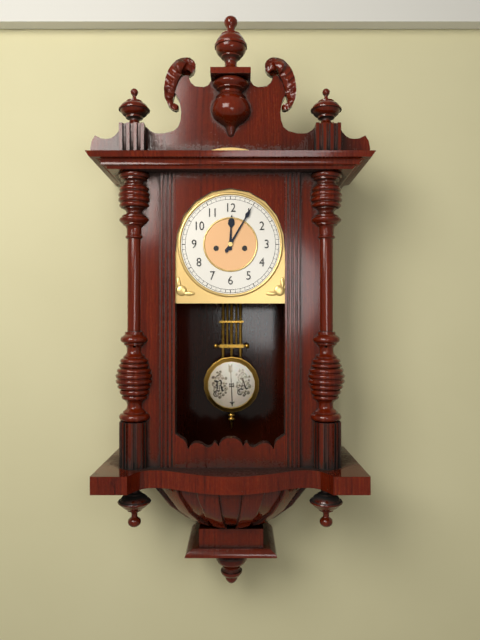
12:05
